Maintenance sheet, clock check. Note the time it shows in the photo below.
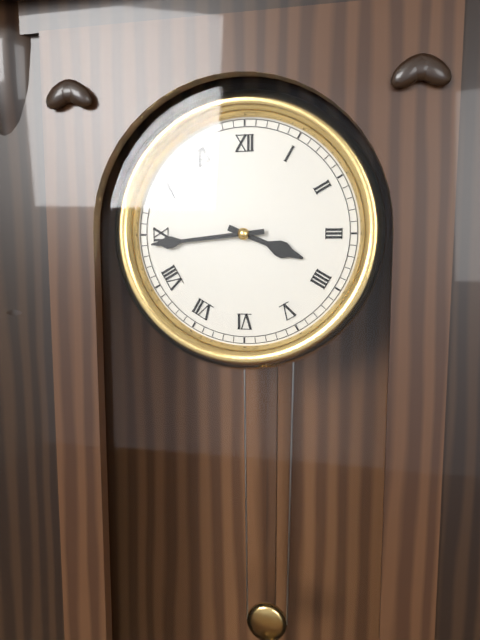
3:44
